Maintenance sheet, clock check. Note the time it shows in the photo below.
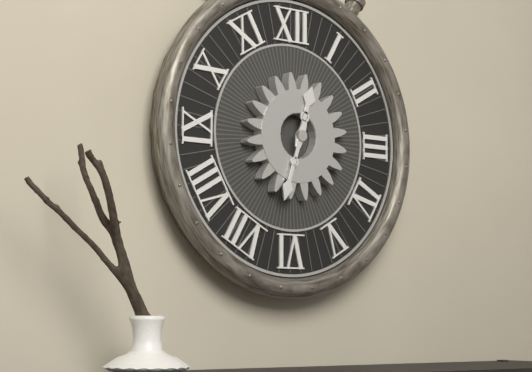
12:33
